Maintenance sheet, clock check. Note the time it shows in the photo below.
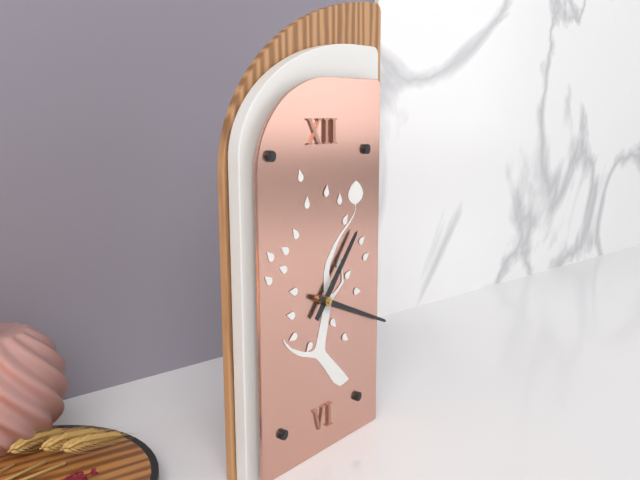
1:19
